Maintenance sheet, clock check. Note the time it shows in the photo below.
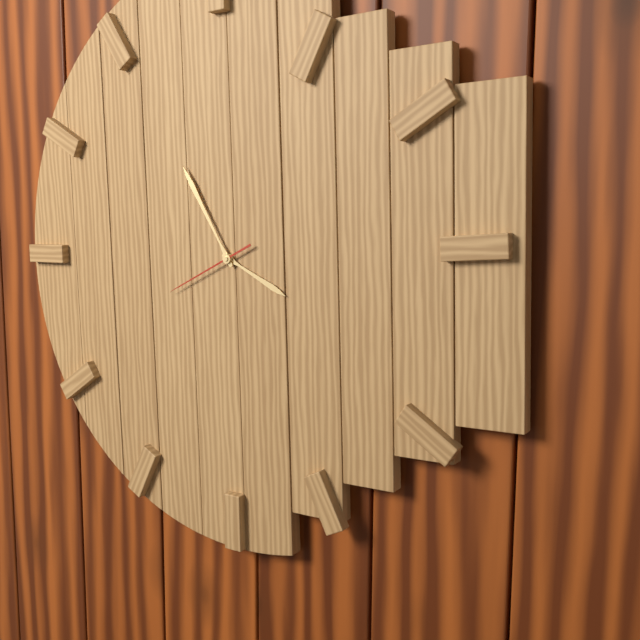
3:55:41
